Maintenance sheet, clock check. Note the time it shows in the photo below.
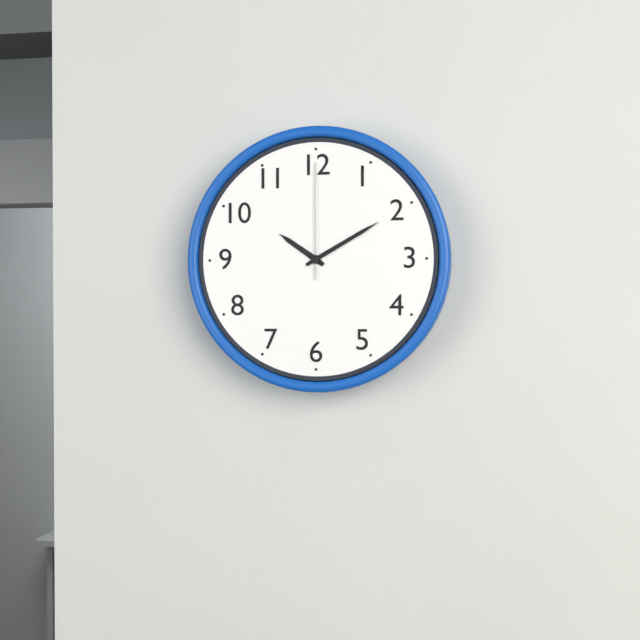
10:10:00
